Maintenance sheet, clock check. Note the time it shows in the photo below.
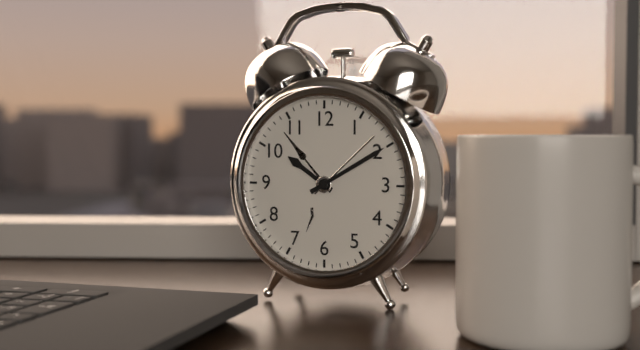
10:10
